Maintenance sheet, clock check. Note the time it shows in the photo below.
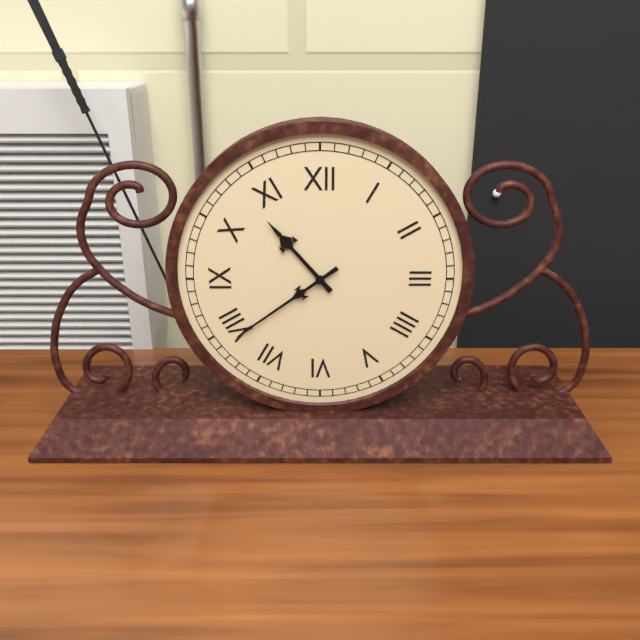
10:39
